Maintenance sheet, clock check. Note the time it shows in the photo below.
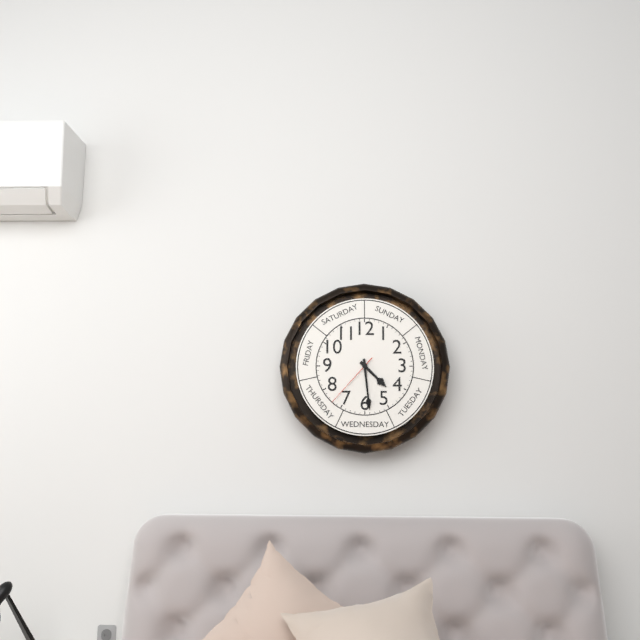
4:29:37
